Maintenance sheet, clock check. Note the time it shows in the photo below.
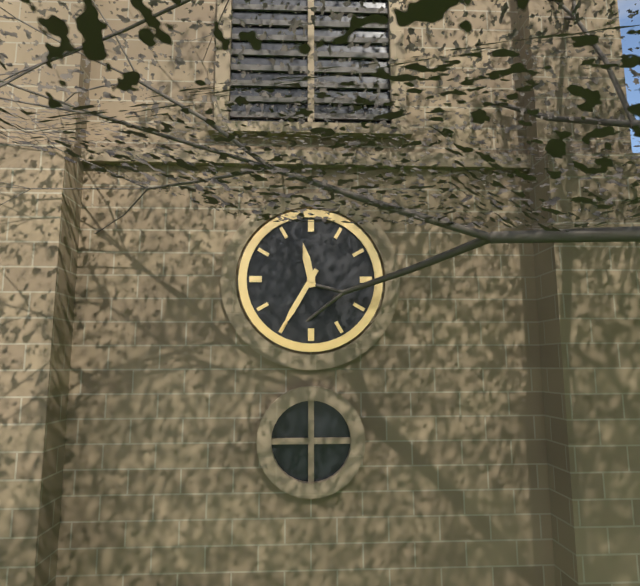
11:35
